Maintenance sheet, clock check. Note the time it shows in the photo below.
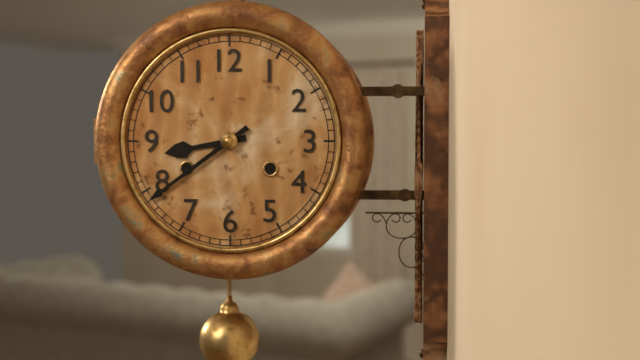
8:39
